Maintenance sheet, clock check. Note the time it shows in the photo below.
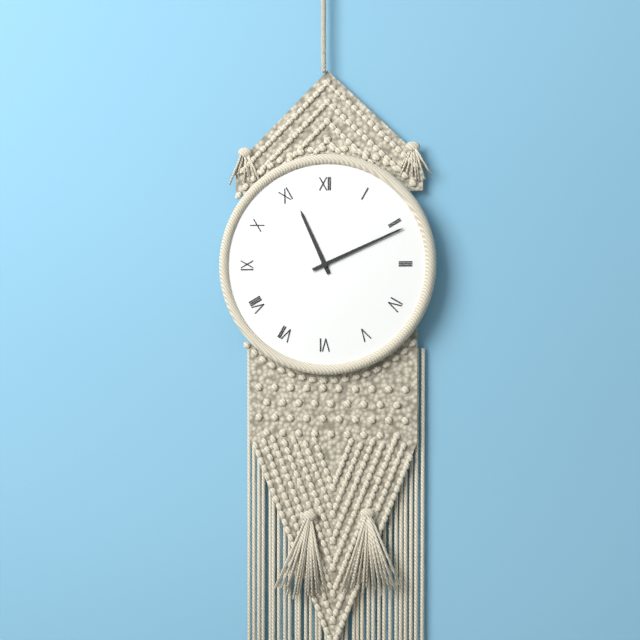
11:11
